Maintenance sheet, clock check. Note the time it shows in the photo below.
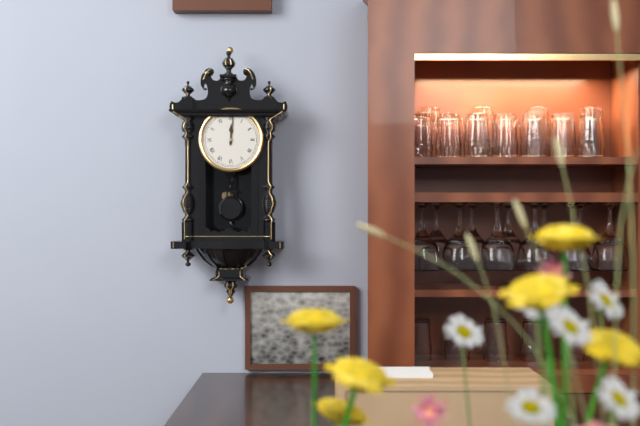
12:01
